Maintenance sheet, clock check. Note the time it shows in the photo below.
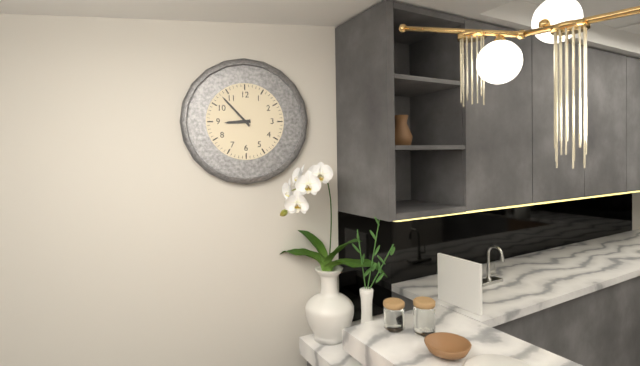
8:53
